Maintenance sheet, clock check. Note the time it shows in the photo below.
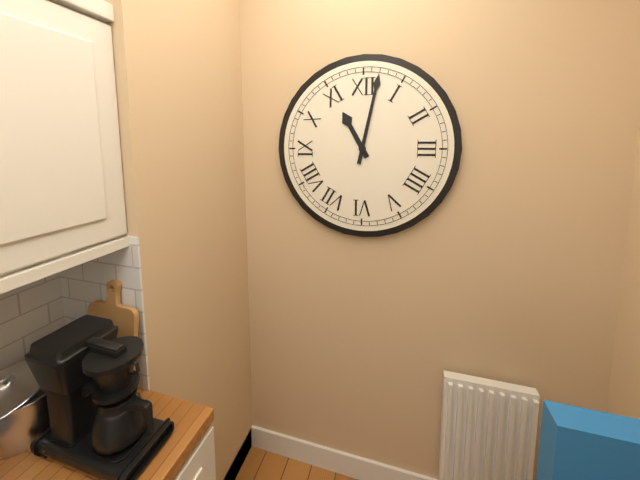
11:02
